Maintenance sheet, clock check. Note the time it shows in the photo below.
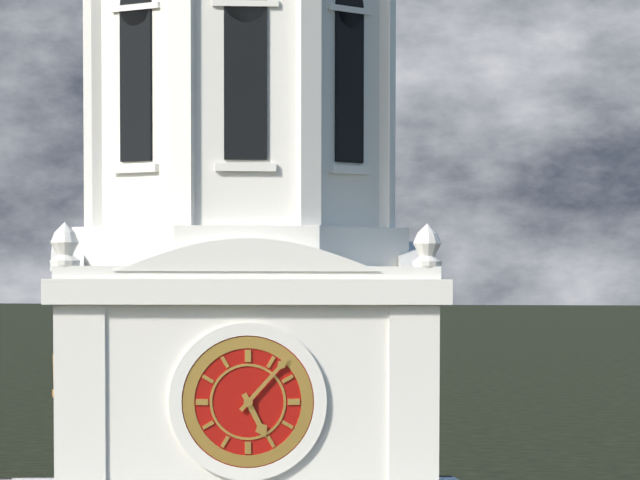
5:07
